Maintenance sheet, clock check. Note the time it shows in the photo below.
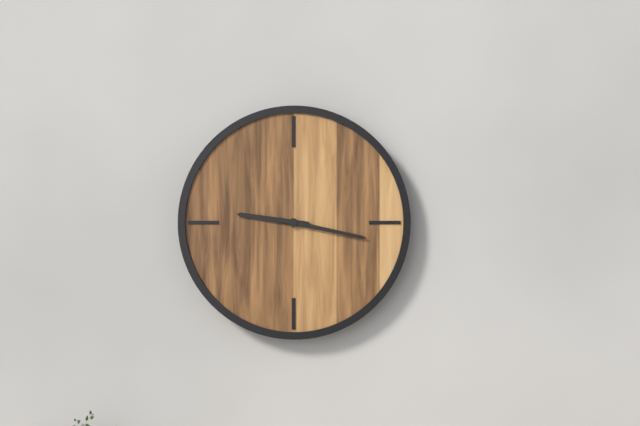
9:17
